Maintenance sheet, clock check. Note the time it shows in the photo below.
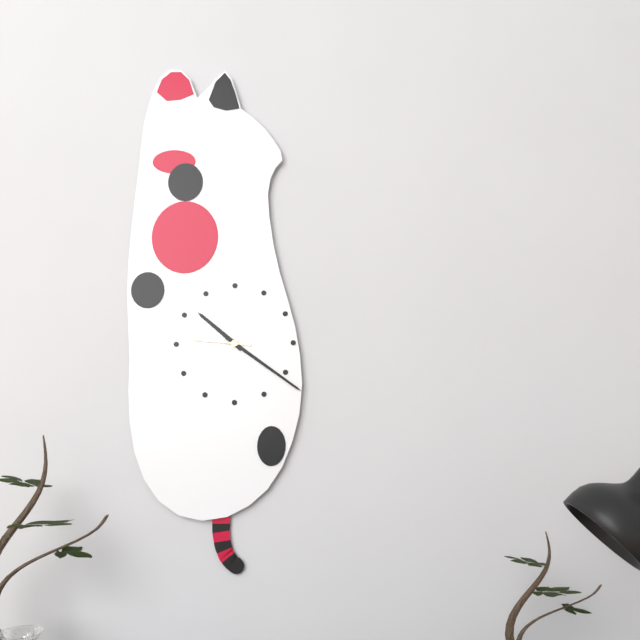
10:21:46
